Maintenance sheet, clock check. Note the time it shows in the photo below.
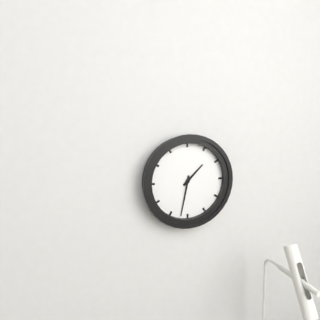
1:32
